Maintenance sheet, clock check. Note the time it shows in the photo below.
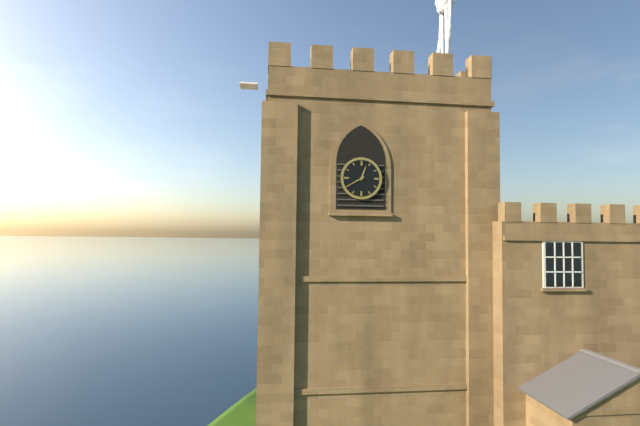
12:40
